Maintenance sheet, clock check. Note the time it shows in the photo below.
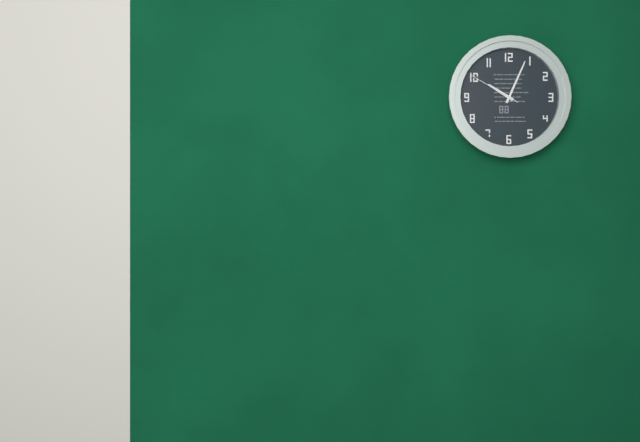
10:04:50
